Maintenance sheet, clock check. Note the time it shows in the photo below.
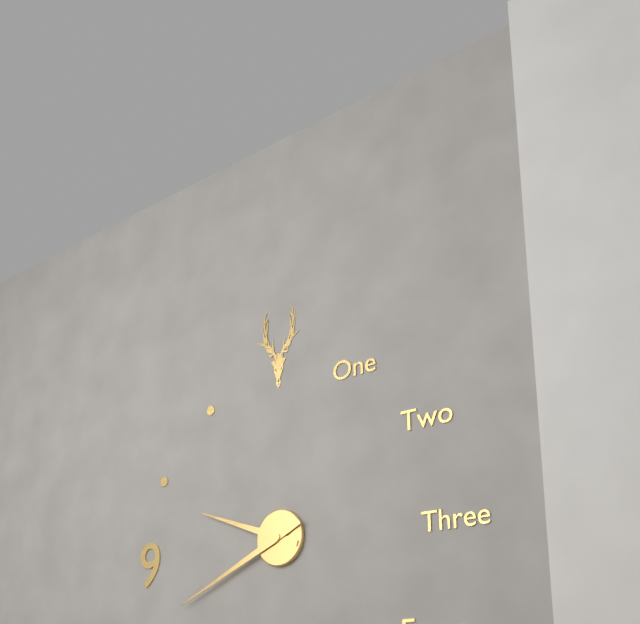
9:41
